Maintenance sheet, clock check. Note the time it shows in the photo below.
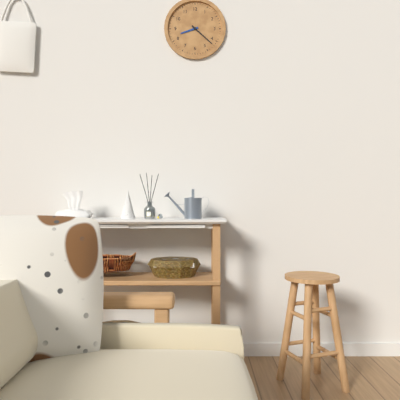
8:22
